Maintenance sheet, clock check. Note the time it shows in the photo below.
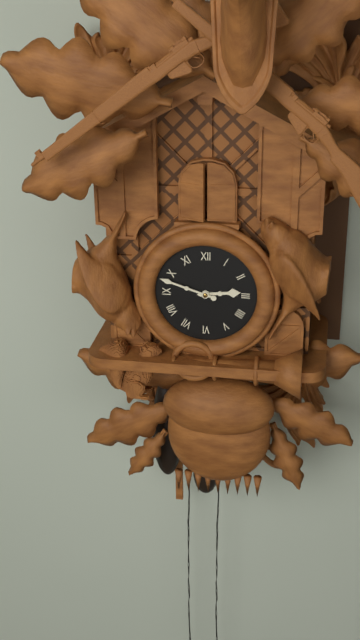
2:48
